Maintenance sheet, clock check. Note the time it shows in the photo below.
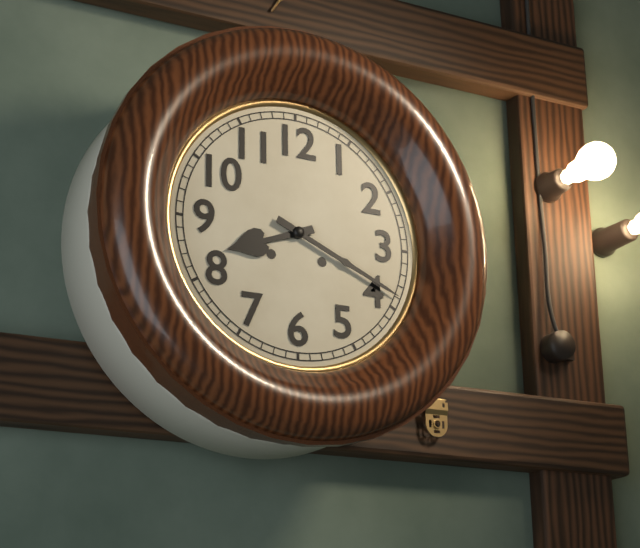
8:19
